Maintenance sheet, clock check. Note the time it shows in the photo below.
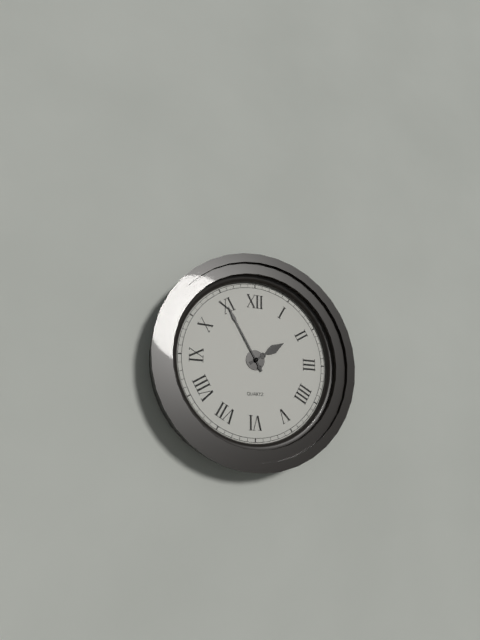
1:55
